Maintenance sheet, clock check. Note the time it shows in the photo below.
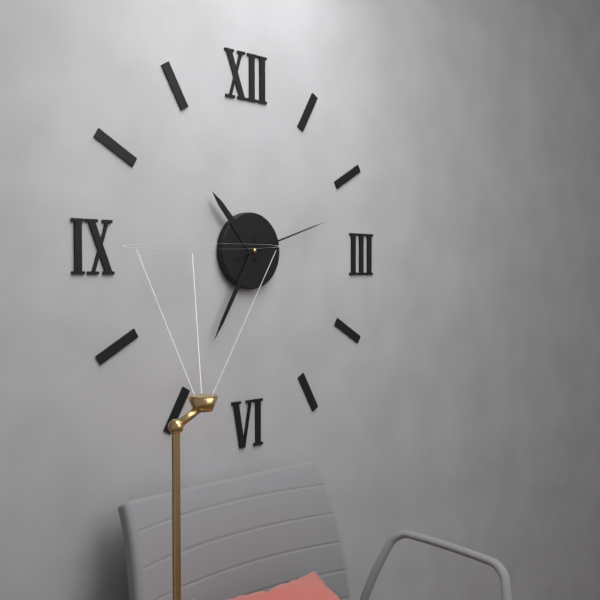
10:35:12
